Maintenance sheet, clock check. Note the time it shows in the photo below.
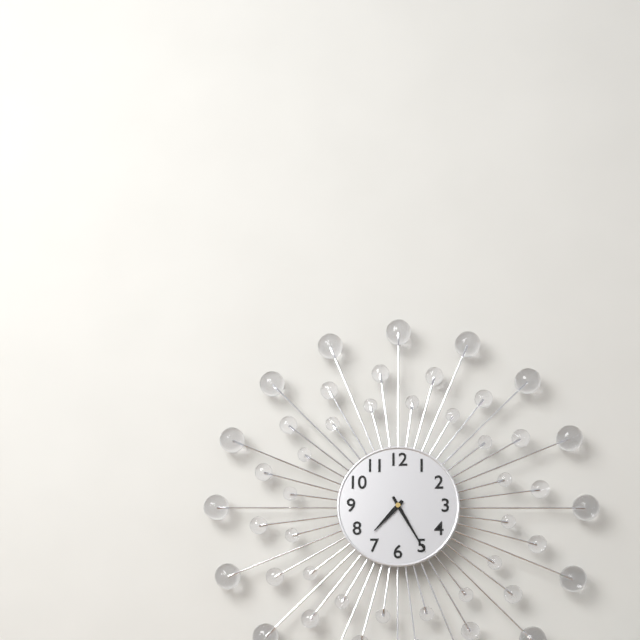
7:25
